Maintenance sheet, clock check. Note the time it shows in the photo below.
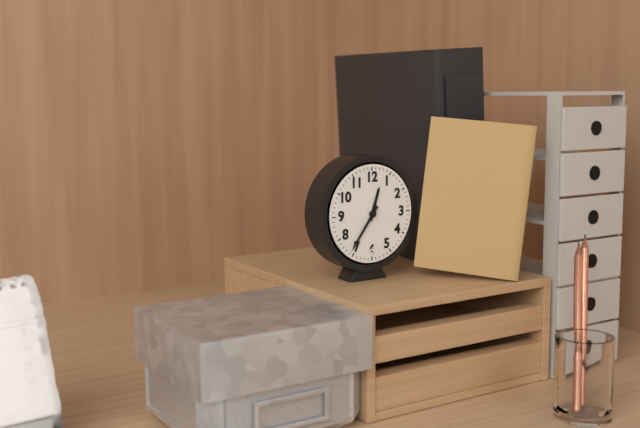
12:36
